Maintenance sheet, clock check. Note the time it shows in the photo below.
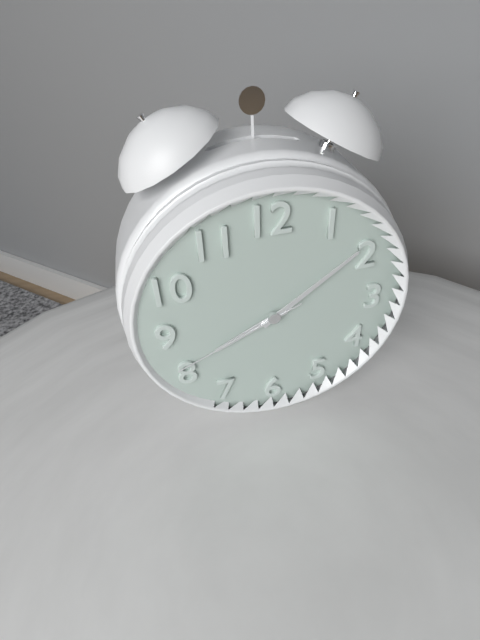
8:09:41
